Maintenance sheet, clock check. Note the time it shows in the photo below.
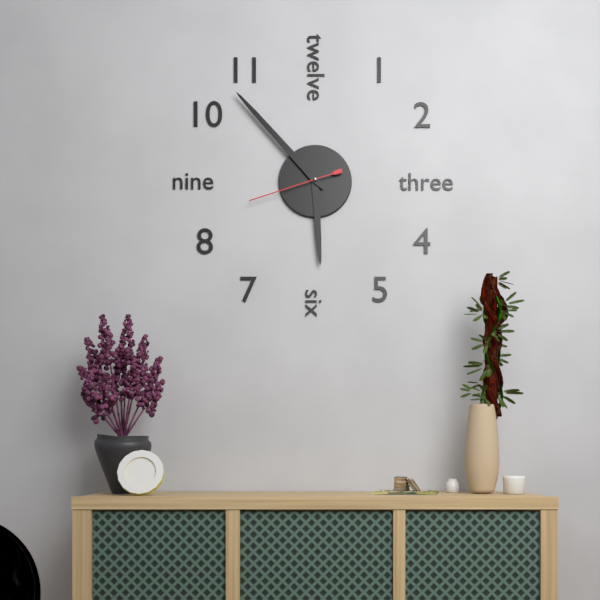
5:53:42
